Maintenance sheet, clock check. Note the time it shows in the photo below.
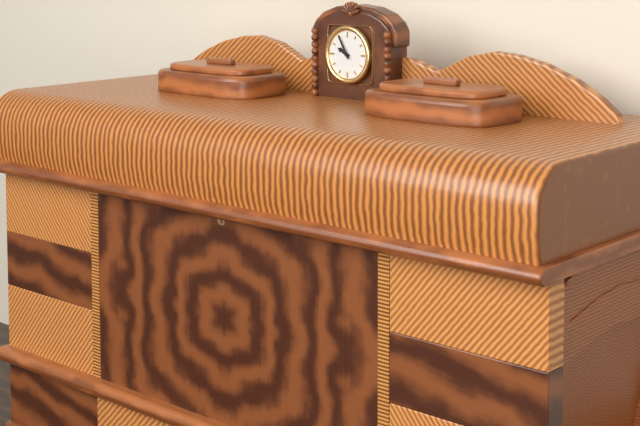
9:55
